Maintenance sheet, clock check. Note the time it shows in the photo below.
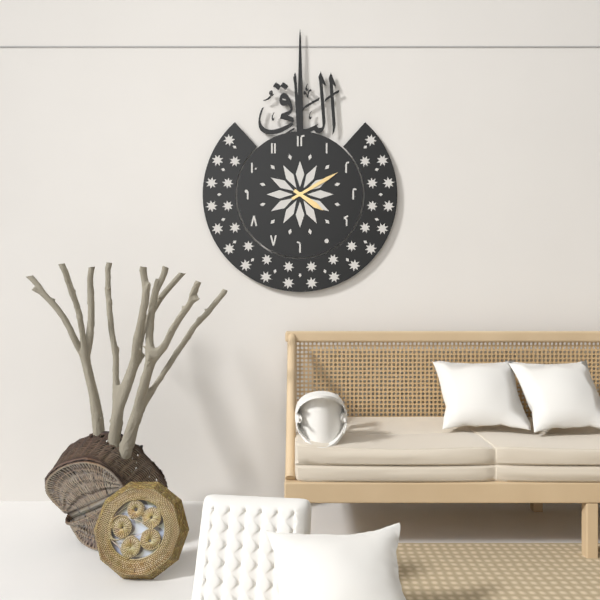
4:10
